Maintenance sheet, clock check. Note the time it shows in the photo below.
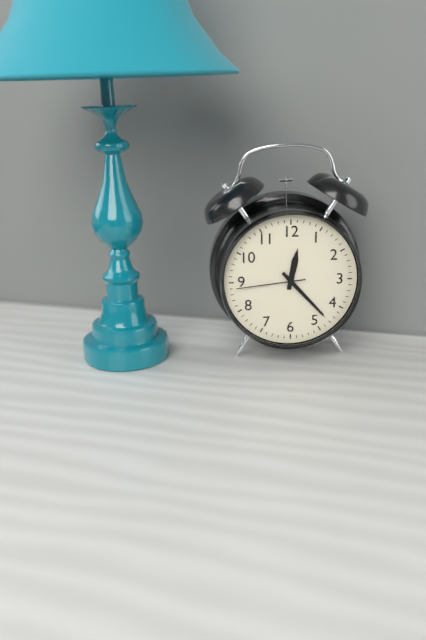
12:23:44
